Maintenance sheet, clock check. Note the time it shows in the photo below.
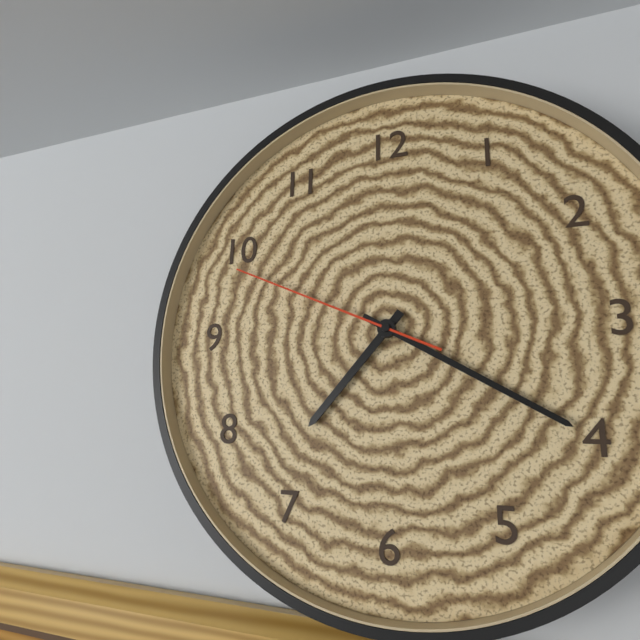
7:20:49
